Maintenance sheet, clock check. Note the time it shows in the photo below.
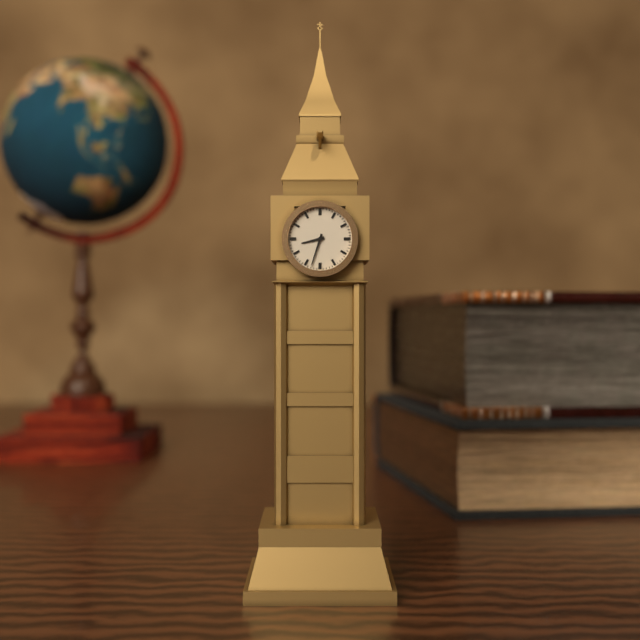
8:33
